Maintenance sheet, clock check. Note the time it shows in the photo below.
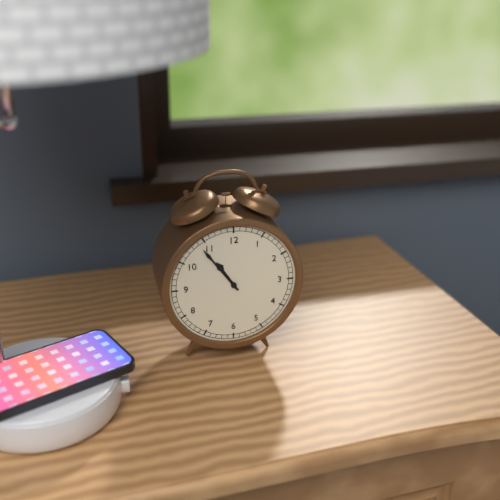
10:54
